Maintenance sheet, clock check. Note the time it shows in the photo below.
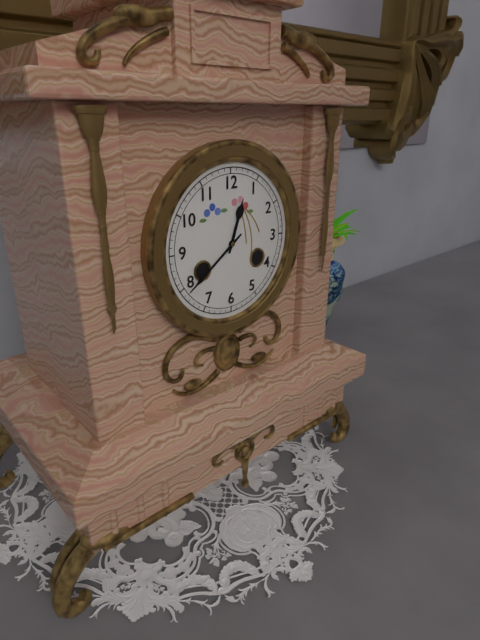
12:39
